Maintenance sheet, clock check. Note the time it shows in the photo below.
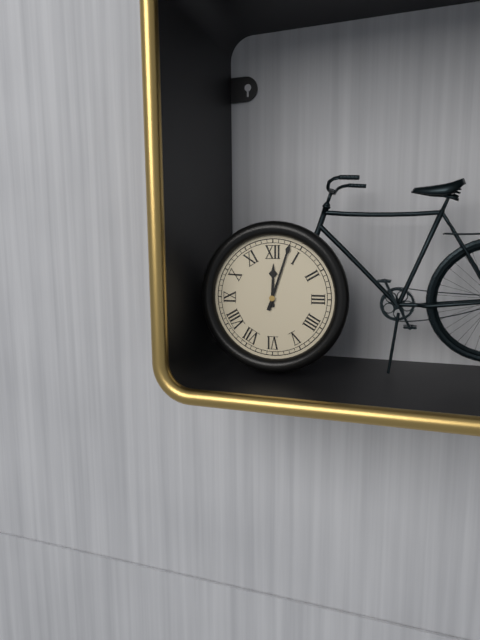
12:03
